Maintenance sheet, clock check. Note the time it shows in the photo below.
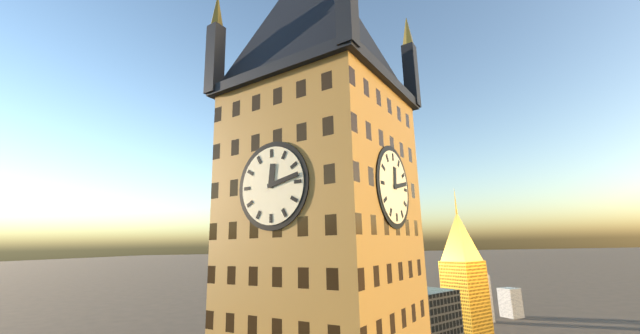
12:13
